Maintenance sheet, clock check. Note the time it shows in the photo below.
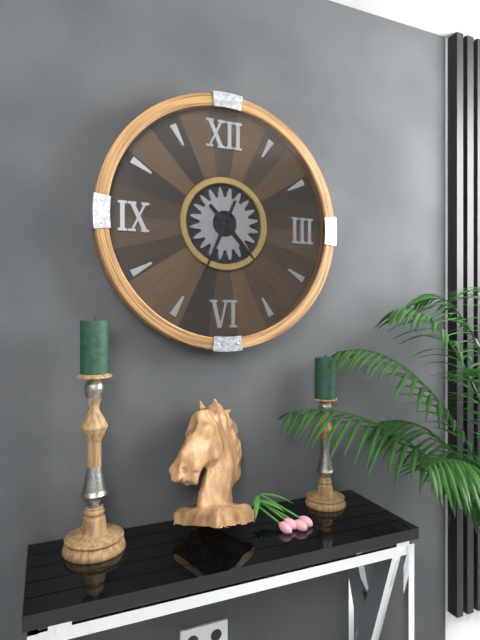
4:34
